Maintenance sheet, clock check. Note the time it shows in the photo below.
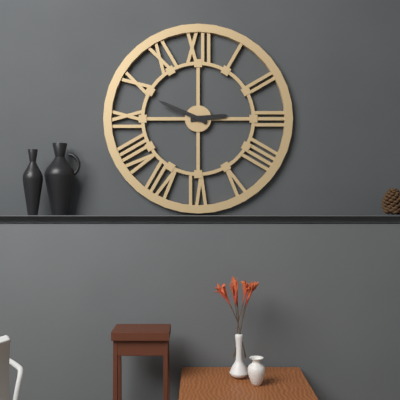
2:49
